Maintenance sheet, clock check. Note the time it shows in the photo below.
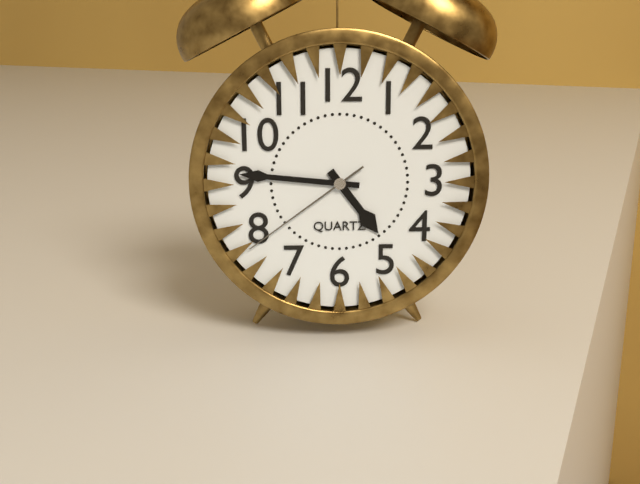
4:46:39
